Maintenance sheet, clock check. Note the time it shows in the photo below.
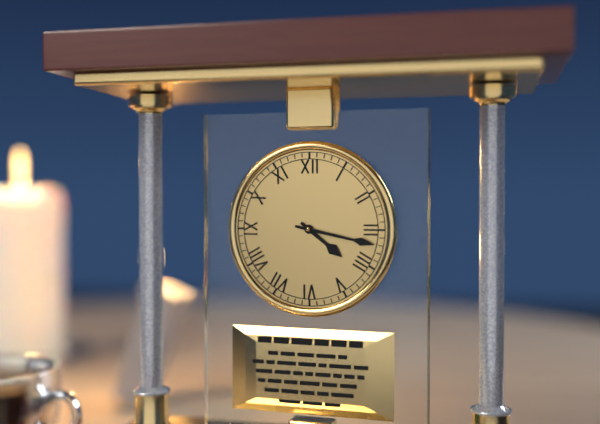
4:17
